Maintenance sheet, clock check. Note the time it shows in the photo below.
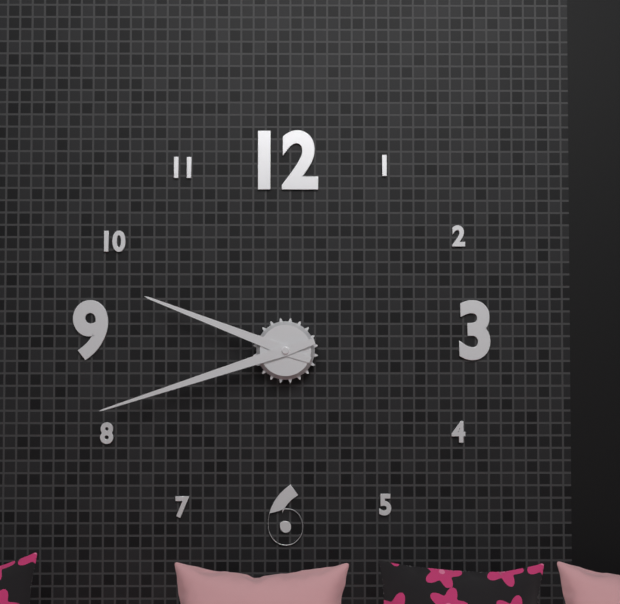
9:42
